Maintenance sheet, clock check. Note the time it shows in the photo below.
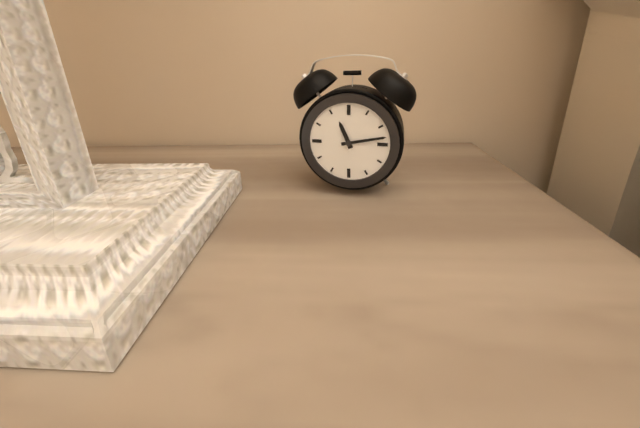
11:13
